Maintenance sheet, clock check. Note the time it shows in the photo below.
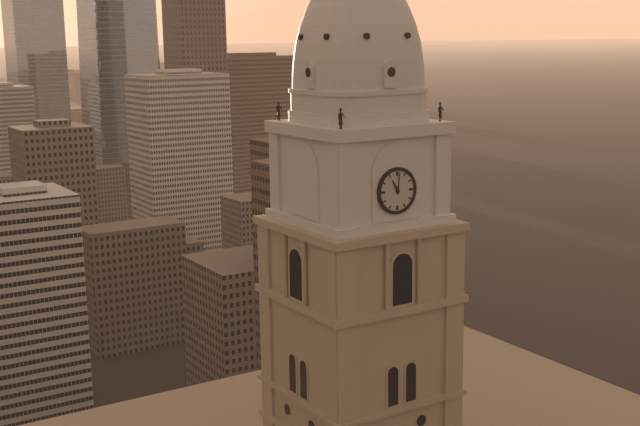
11:01
